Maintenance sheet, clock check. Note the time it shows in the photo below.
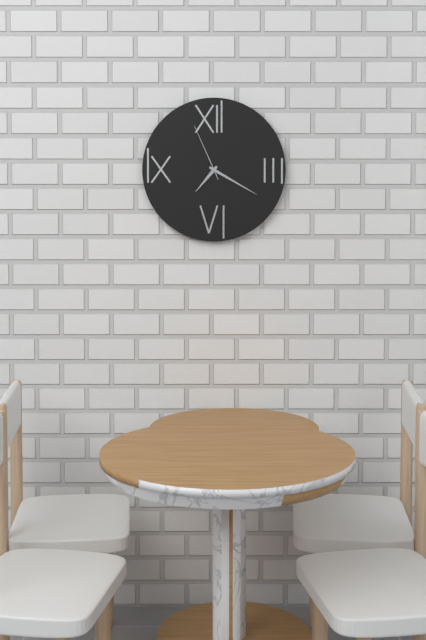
7:20:56
